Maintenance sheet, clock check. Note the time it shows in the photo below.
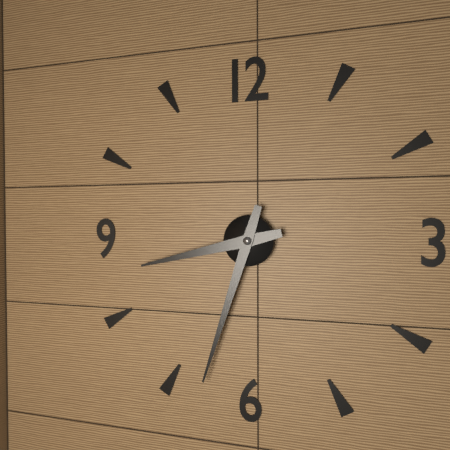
8:33
